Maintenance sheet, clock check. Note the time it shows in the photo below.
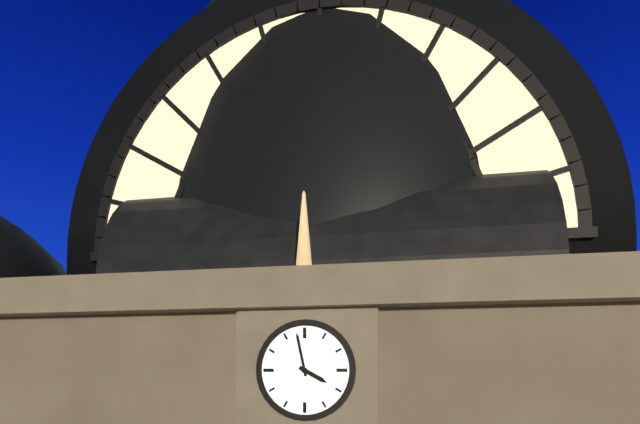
3:58
